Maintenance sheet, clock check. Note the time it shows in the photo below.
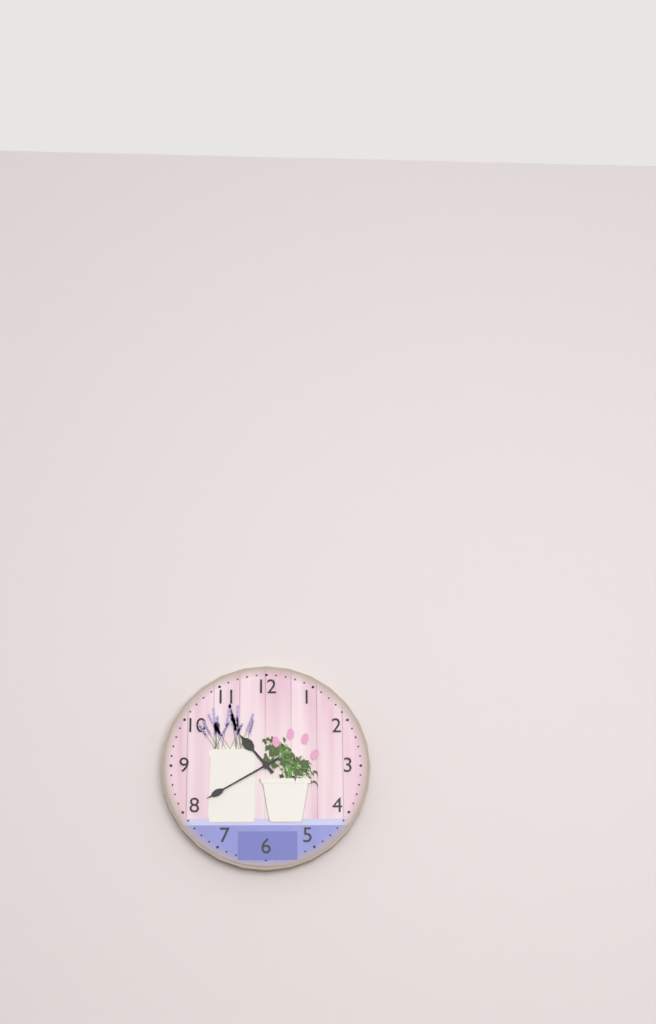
10:40
